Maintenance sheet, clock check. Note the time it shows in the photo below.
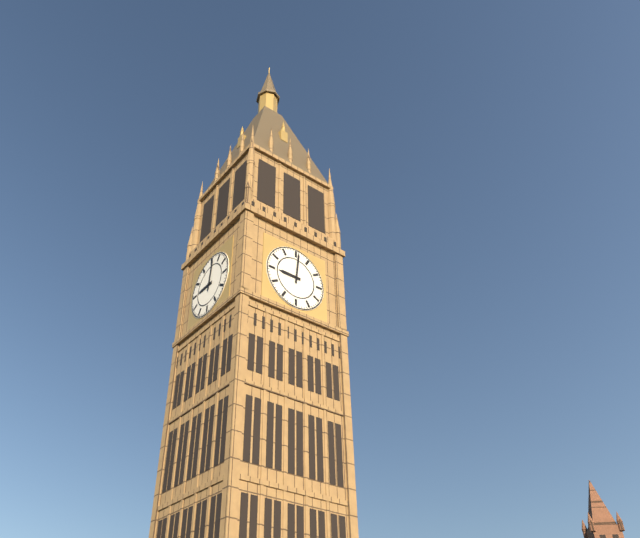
9:01
